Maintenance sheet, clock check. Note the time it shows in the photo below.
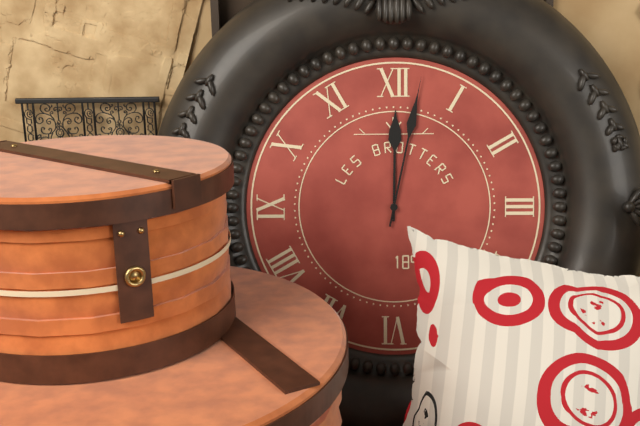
12:02
